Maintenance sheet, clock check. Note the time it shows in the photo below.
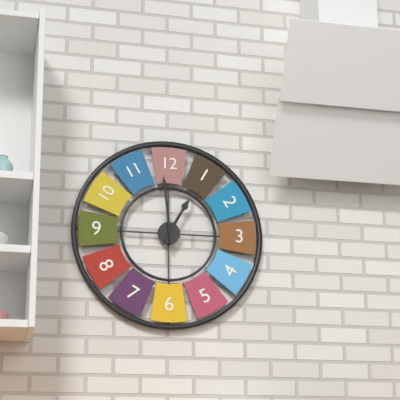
12:59
